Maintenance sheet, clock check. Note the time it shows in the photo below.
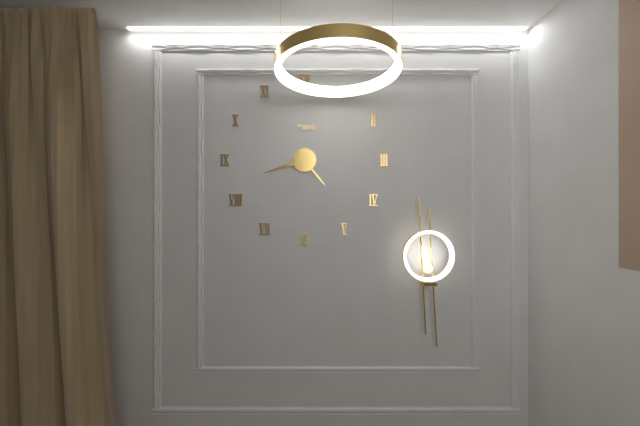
4:42
